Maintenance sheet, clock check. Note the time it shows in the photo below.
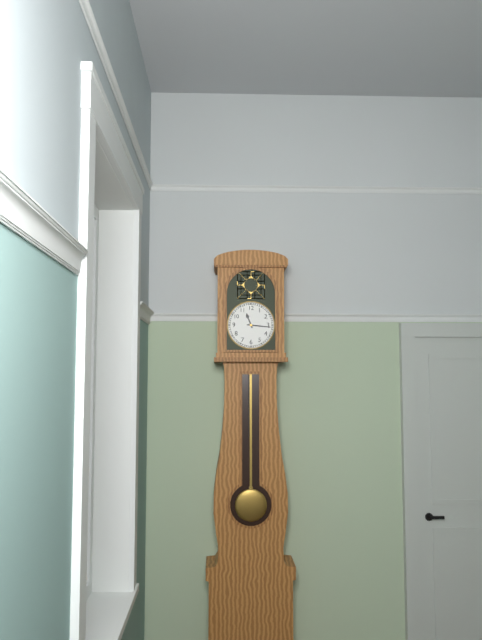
11:16
